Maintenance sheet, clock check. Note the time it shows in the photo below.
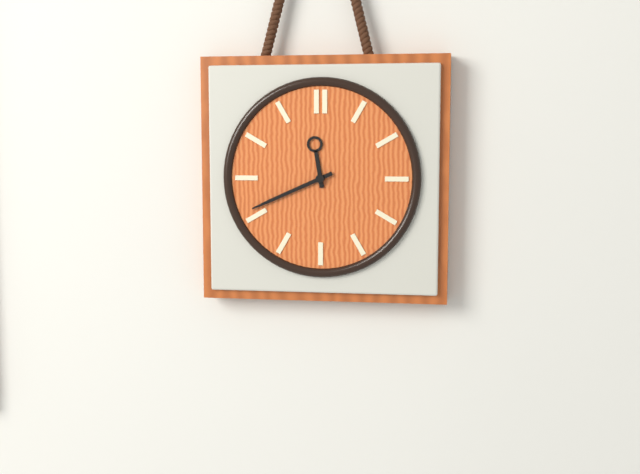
11:41
